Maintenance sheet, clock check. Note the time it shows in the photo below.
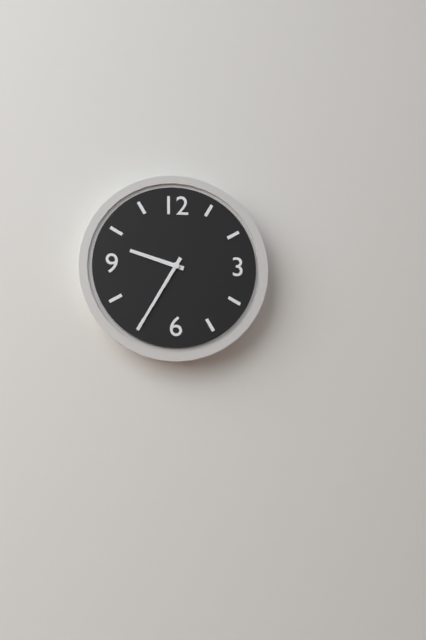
9:35
